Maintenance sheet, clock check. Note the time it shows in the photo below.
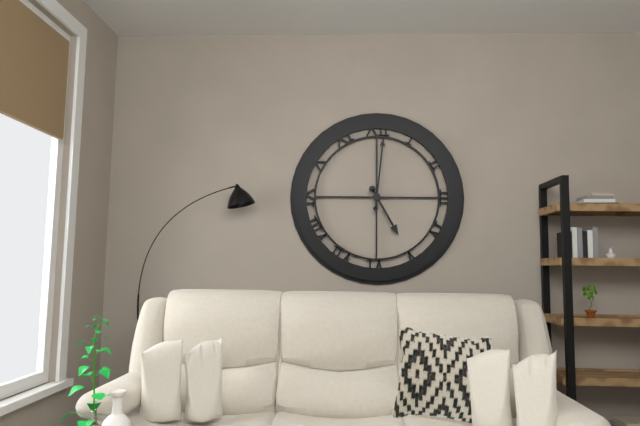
5:01
